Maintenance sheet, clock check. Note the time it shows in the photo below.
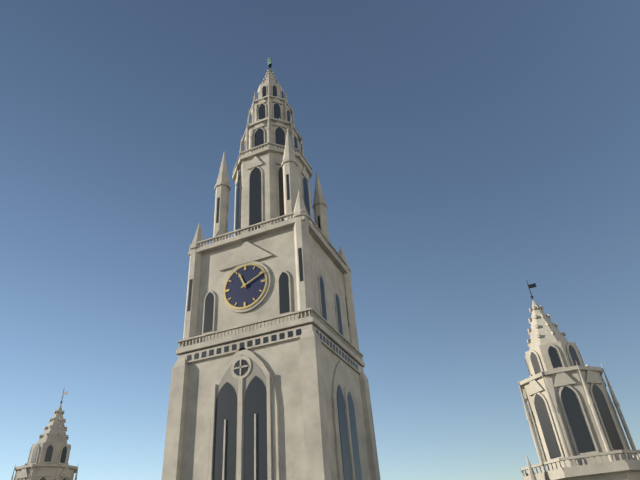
11:11
